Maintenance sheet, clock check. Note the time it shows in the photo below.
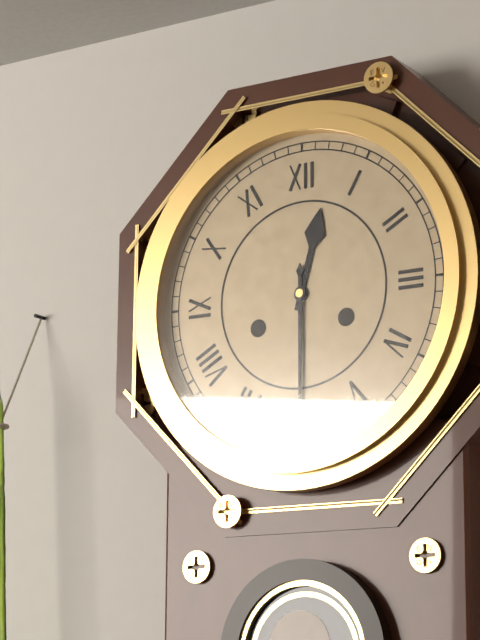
12:30
